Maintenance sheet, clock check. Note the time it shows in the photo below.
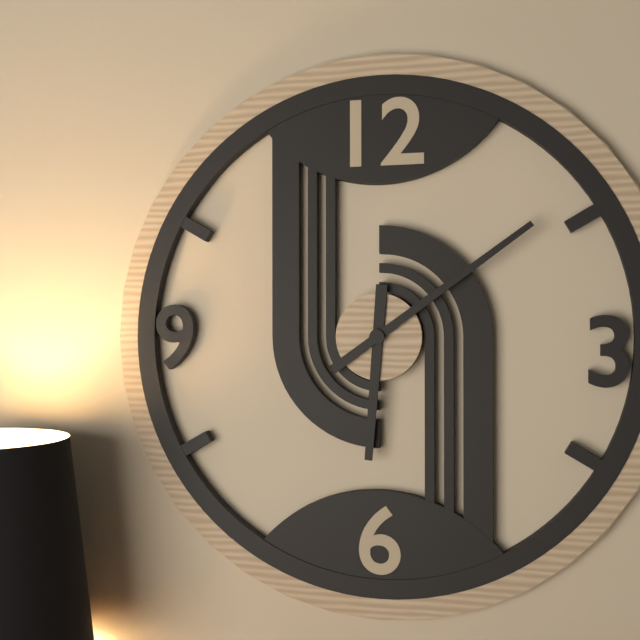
6:09
